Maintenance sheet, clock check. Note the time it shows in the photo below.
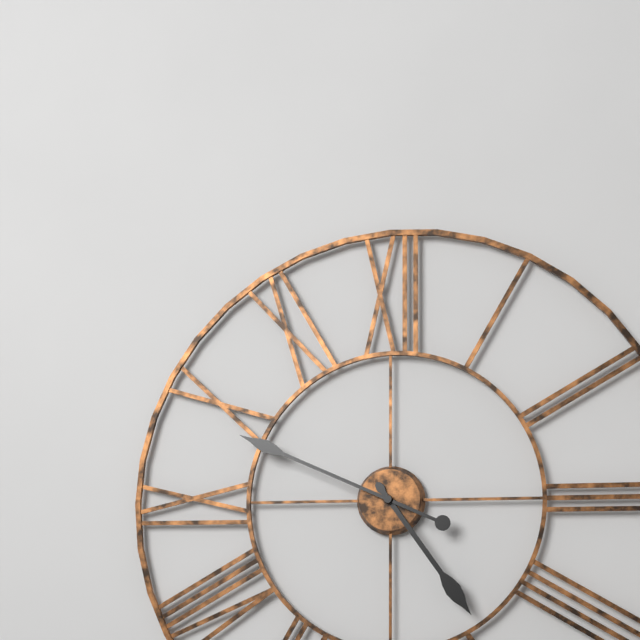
4:49
